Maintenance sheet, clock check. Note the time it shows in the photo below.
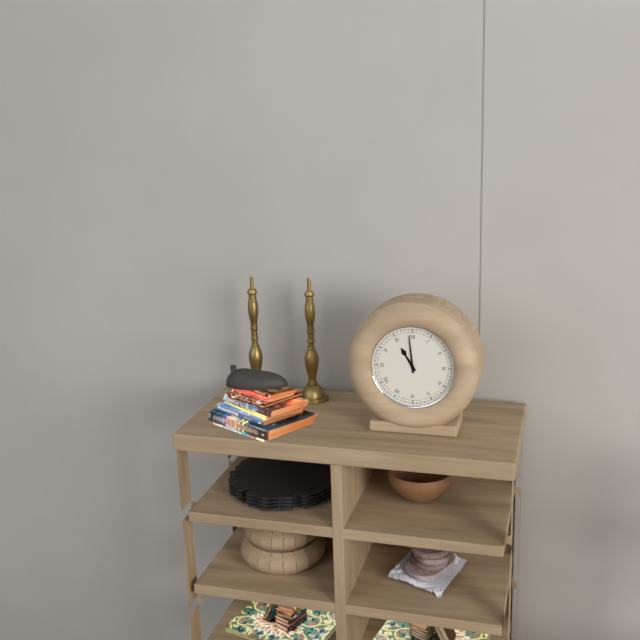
10:59
